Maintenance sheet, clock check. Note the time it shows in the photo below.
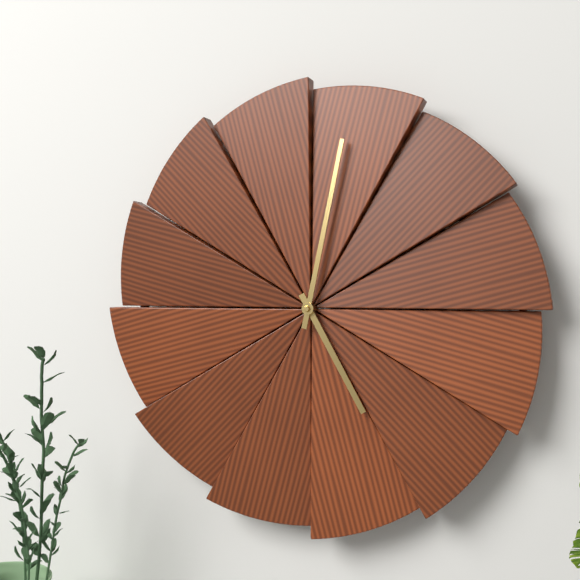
5:02
